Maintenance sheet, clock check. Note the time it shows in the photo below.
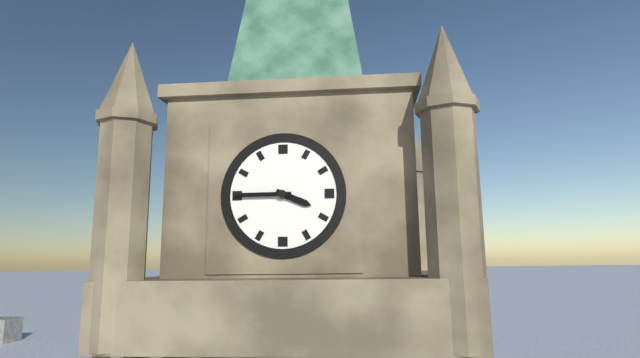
3:45
